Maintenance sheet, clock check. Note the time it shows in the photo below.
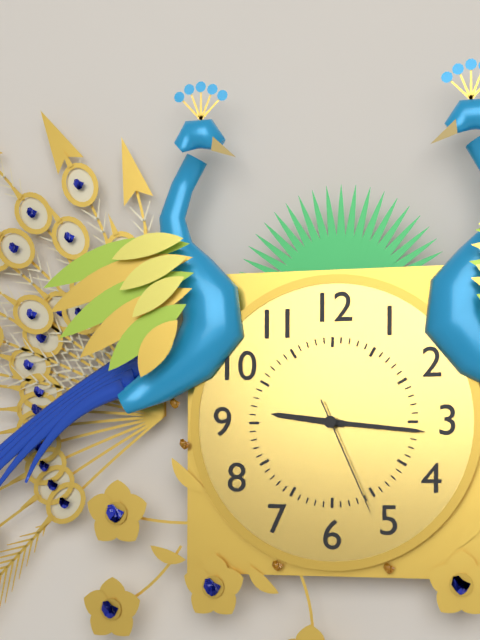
9:16:26
